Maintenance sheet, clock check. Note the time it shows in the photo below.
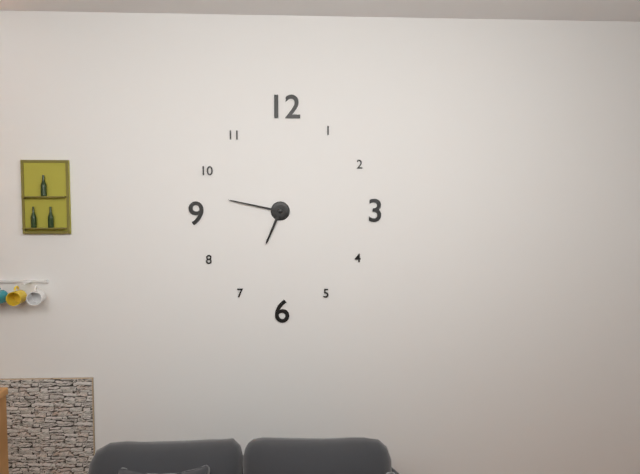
6:47
